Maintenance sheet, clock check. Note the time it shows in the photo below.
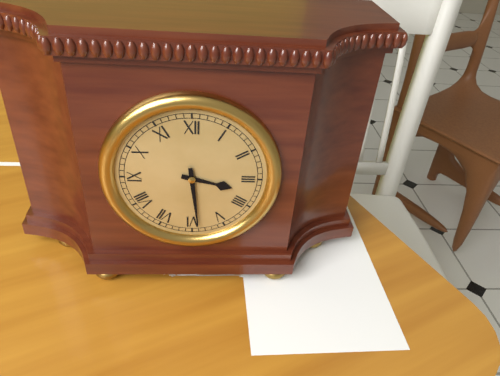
3:29
